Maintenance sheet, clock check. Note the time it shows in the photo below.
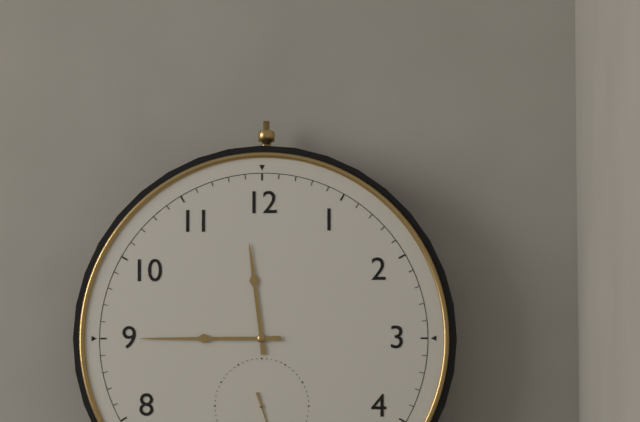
11:45
